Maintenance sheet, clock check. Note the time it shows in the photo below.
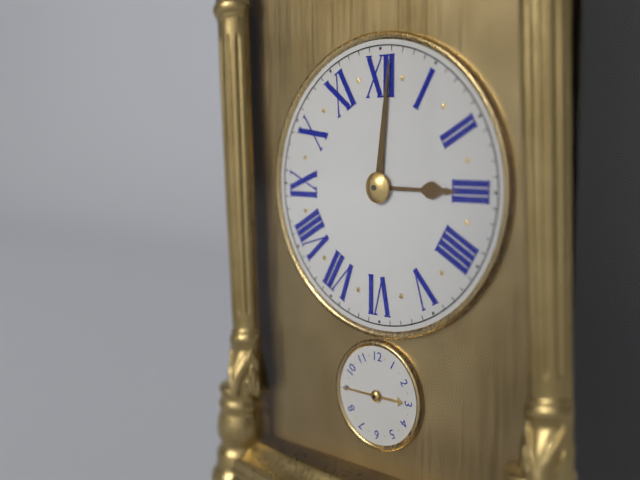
3:01
